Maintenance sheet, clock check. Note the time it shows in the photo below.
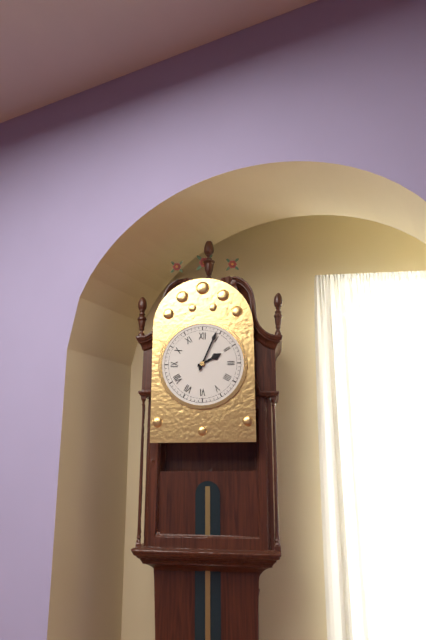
2:04
